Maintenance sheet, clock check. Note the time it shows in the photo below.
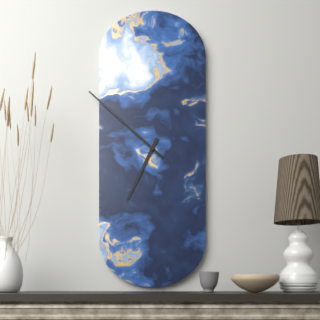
6:52
